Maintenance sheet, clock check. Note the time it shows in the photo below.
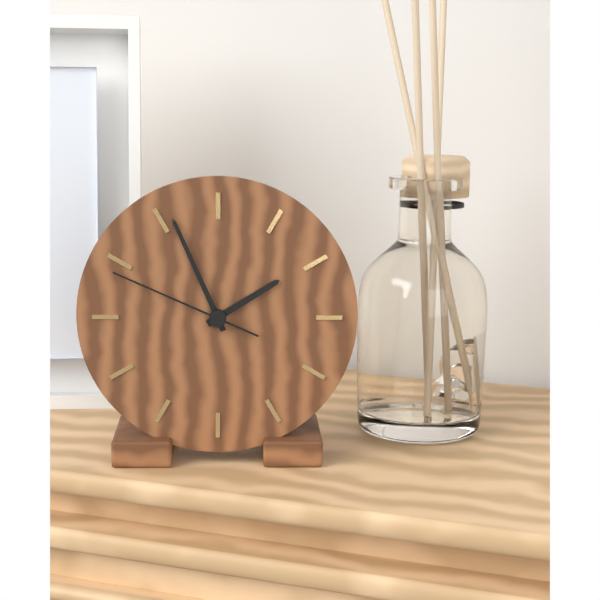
1:56:49
